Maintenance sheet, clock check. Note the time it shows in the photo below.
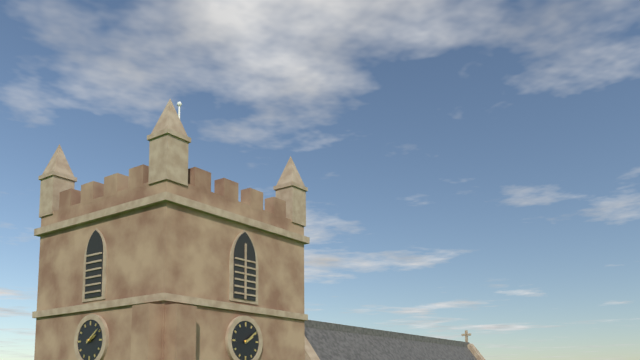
2:09
